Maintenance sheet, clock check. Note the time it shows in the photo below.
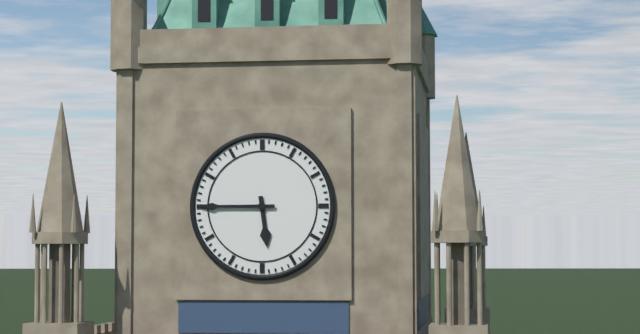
5:45
